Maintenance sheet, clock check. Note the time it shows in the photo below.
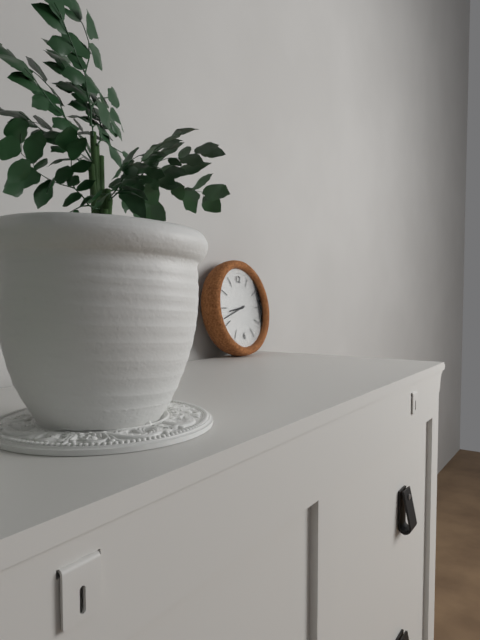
8:42
